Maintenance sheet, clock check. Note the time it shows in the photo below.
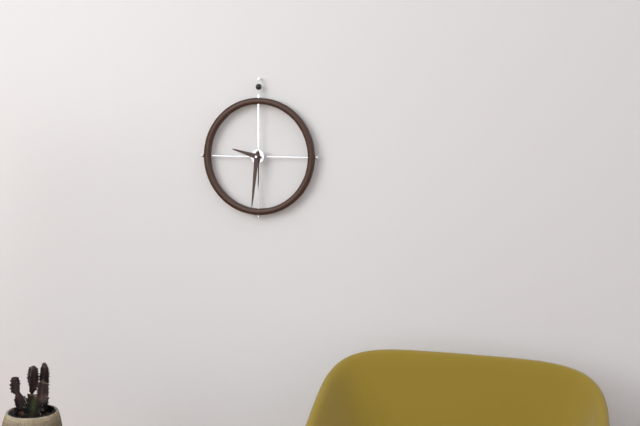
9:31
